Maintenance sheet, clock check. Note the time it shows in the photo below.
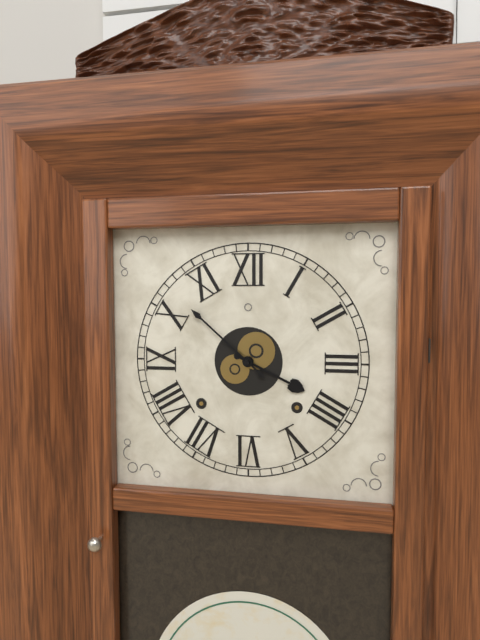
3:52
